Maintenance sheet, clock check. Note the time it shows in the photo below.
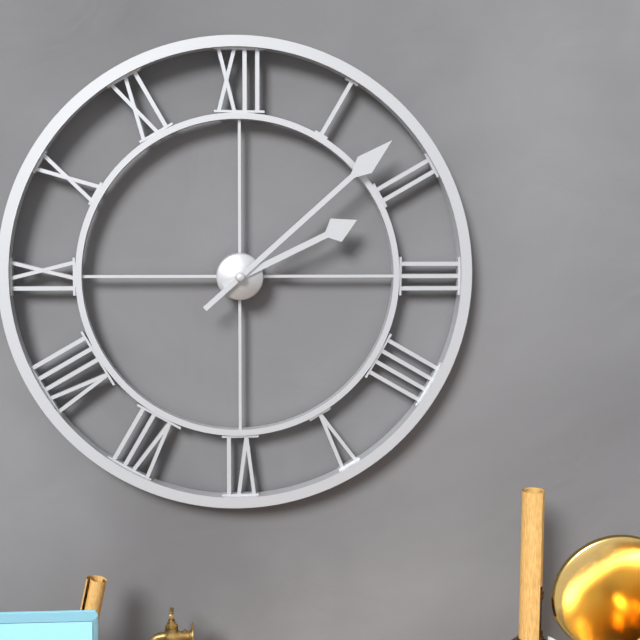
2:08
